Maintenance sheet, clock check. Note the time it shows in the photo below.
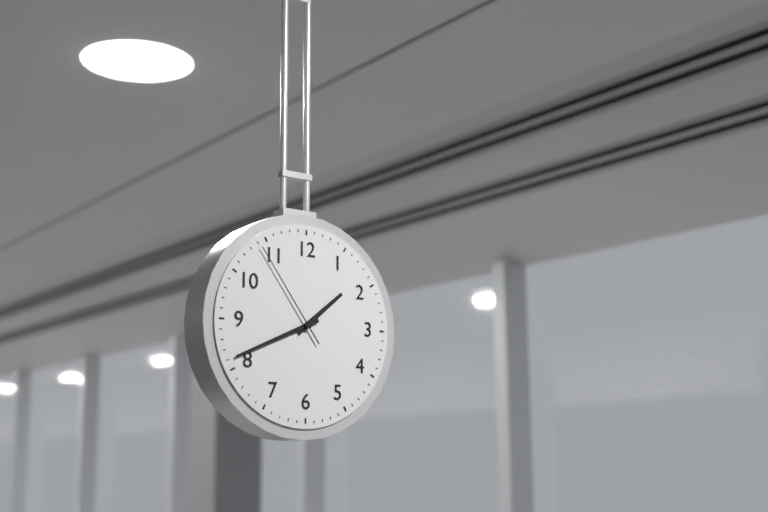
1:41:54
